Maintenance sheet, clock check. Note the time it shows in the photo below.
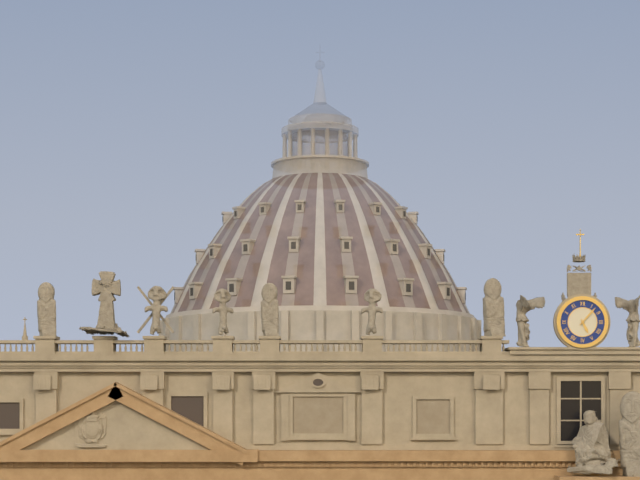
5:07
